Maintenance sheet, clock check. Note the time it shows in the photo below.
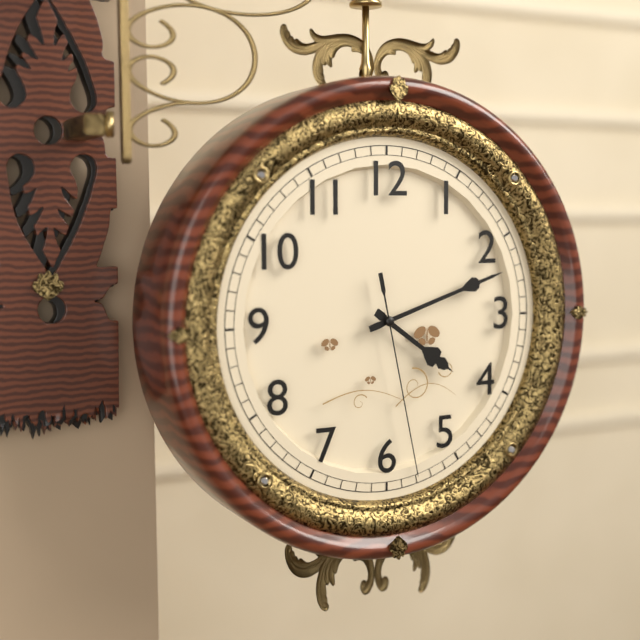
4:12:28
